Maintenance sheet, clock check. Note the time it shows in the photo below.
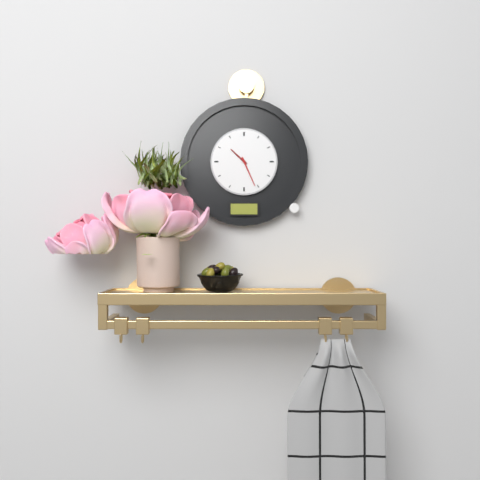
10:26
